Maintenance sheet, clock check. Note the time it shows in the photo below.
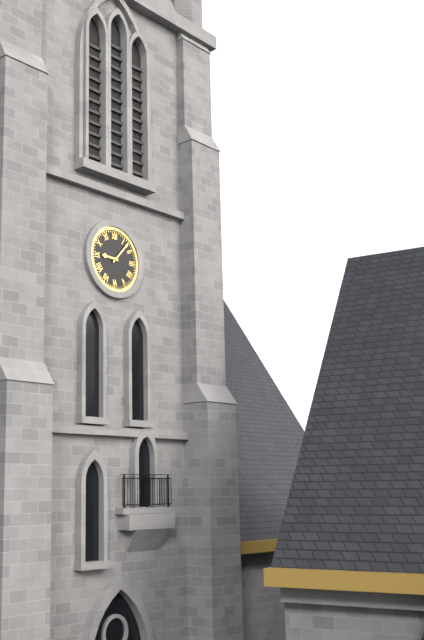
9:07
